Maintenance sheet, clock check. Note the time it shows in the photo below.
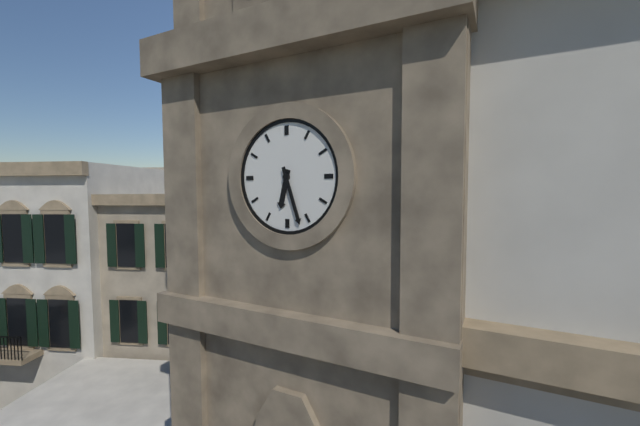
6:27
